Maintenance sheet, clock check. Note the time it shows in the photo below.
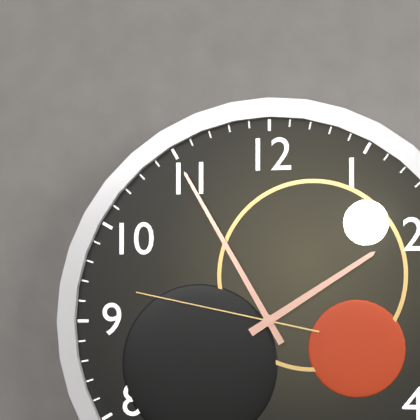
1:55:47
